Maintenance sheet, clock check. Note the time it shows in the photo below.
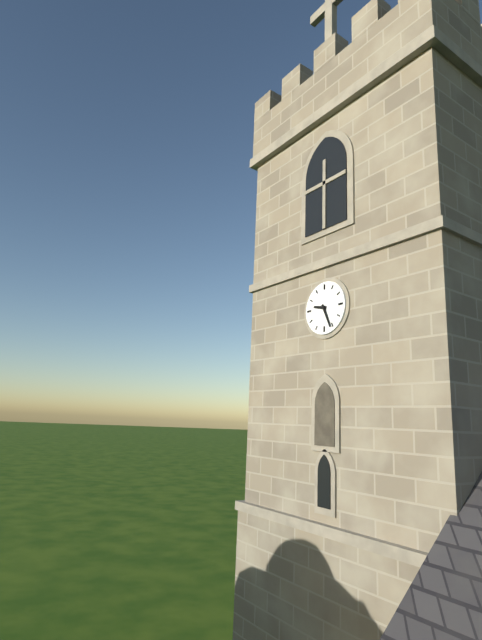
9:26
